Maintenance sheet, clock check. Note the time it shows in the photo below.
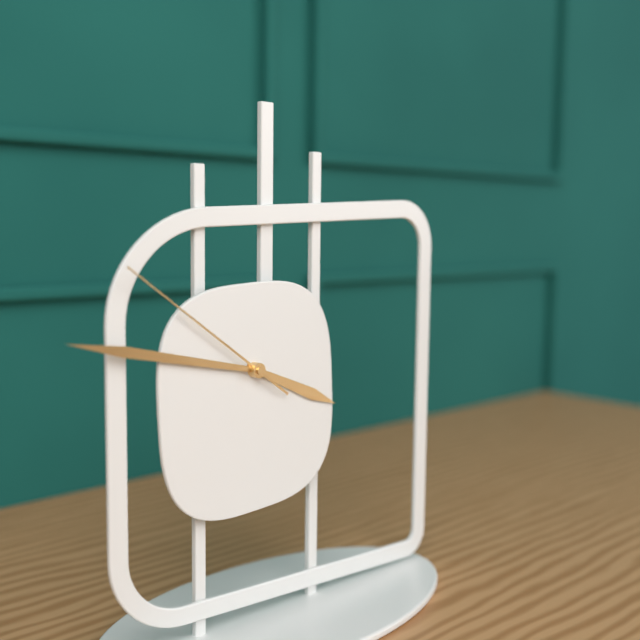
3:47:51
